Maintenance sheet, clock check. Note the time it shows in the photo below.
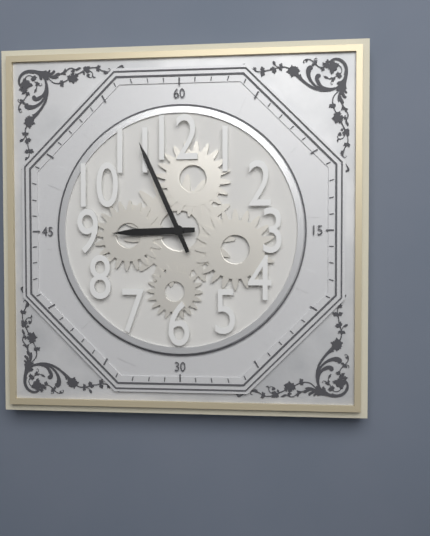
8:56
